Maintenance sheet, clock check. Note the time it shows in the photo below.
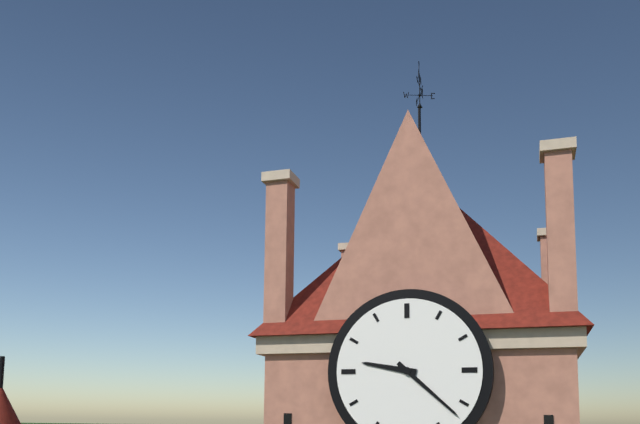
9:22
